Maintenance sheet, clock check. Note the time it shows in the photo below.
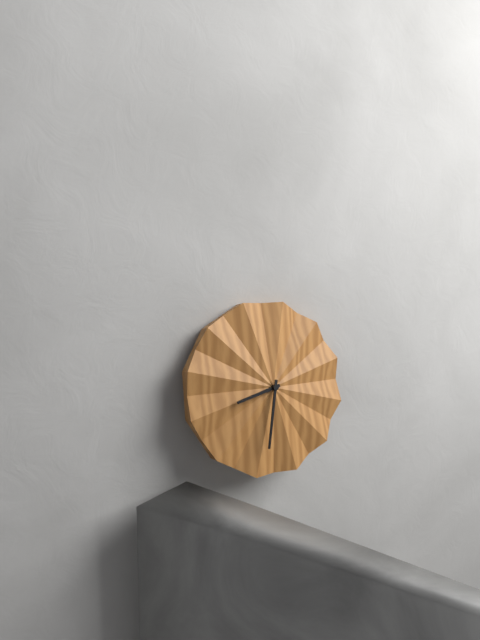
8:32
